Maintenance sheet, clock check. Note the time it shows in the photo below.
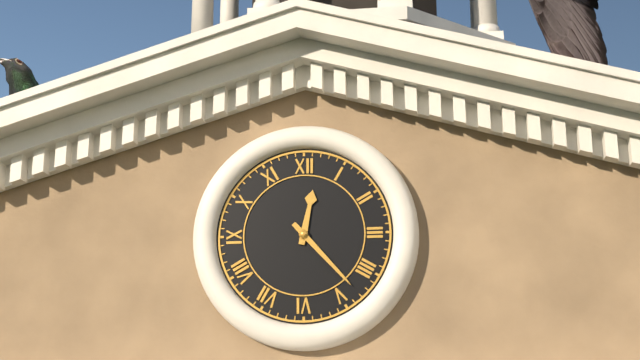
12:23
